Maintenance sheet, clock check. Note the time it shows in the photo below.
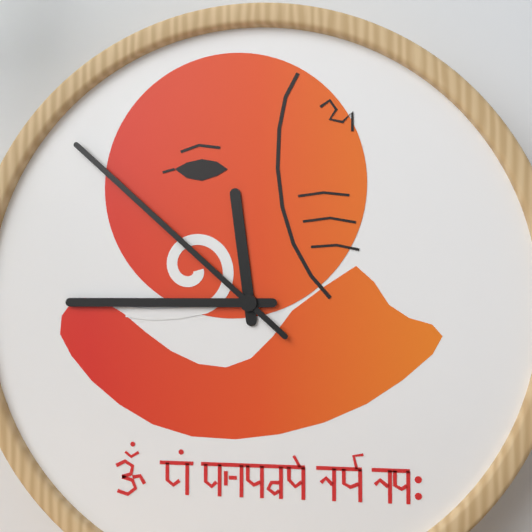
11:45:52
